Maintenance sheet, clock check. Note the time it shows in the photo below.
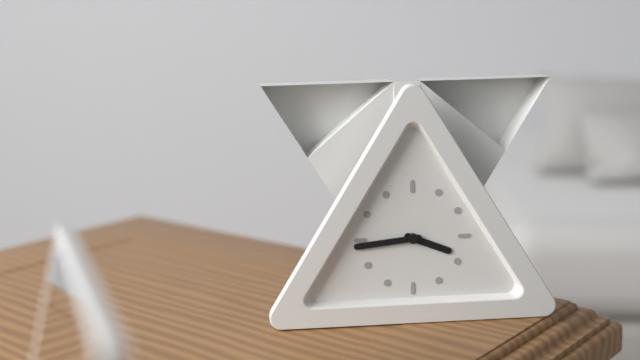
3:44
